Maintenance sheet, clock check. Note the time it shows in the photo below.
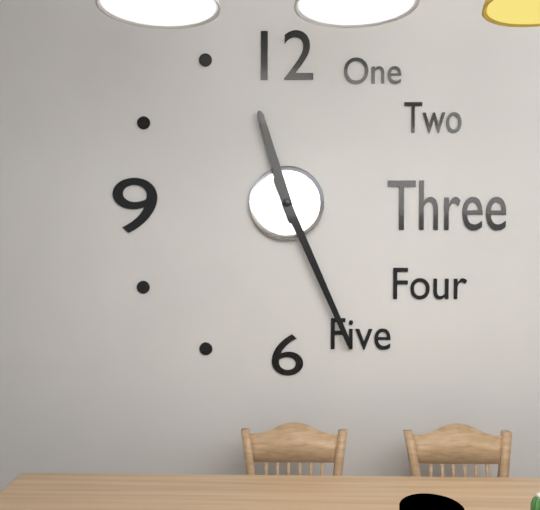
11:26
